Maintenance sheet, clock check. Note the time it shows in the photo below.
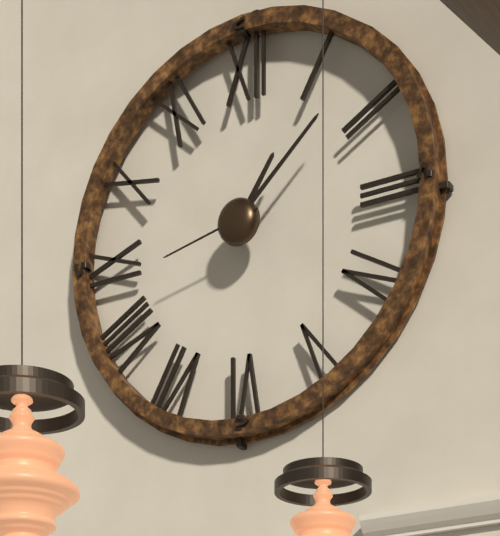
1:08:43
